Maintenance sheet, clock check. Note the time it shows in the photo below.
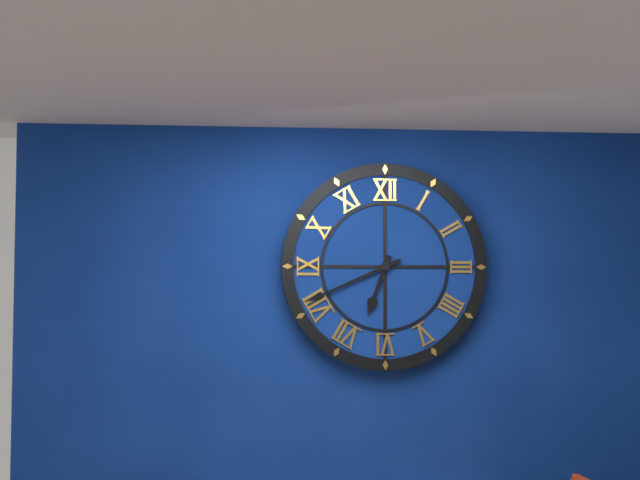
6:41
